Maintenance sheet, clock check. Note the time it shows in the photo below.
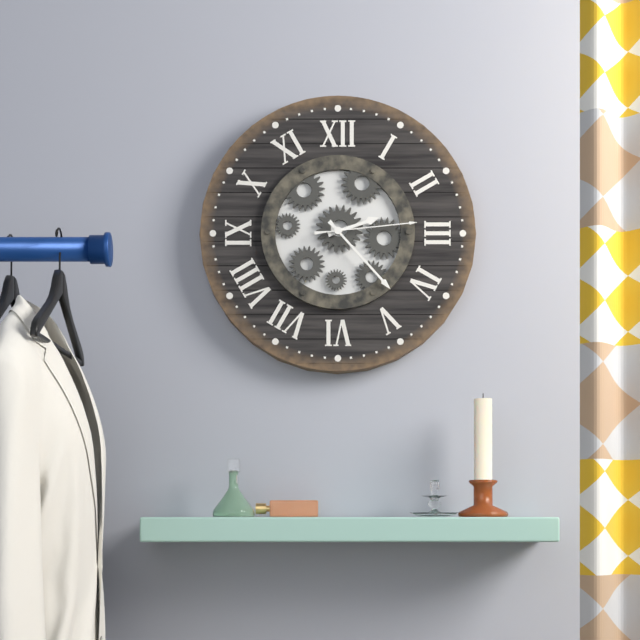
2:23:14
